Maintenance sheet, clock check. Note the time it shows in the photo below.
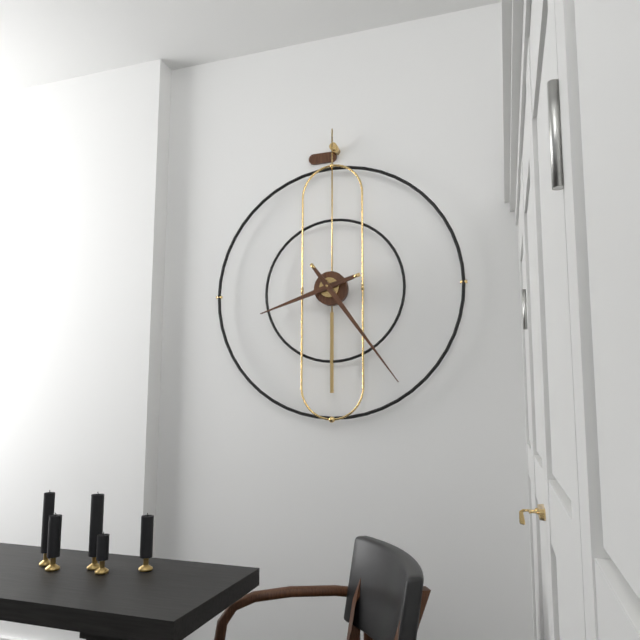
8:24
